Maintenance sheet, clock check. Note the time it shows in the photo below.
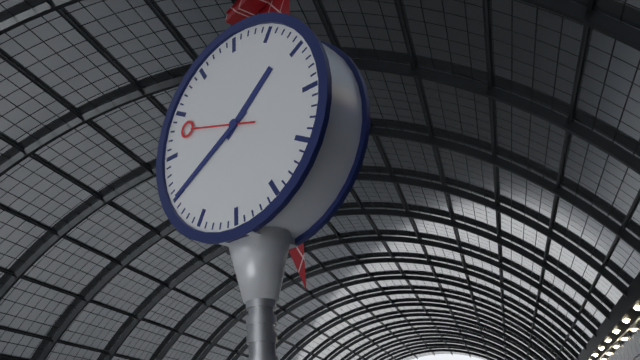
1:40:48
